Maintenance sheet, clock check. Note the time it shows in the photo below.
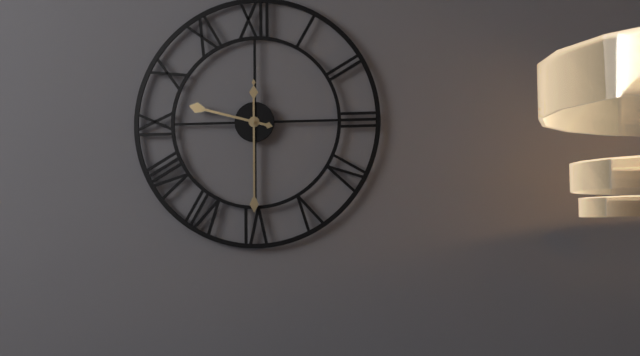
9:30
